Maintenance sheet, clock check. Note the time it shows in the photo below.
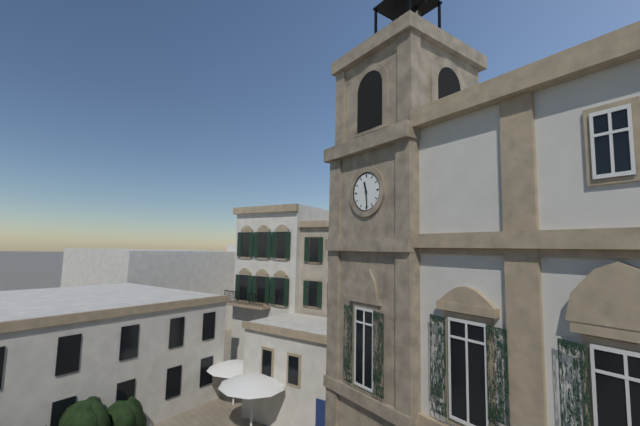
11:29
